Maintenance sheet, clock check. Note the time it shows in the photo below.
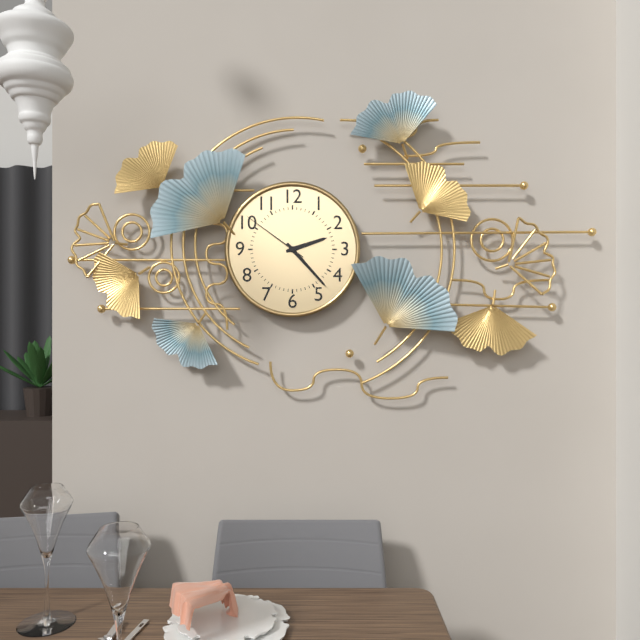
2:23:51
